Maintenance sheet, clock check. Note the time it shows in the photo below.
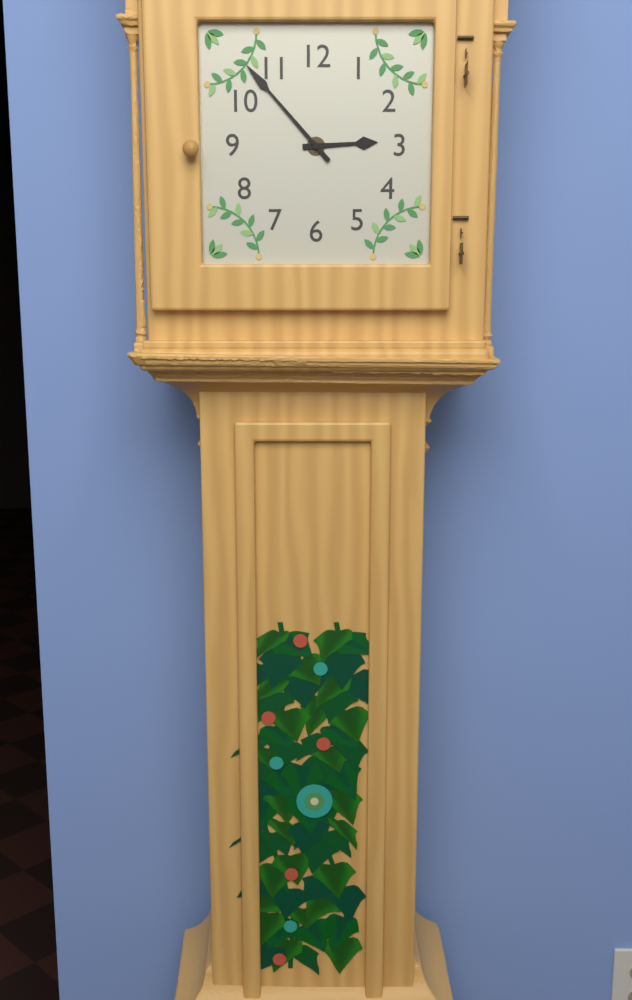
2:53
